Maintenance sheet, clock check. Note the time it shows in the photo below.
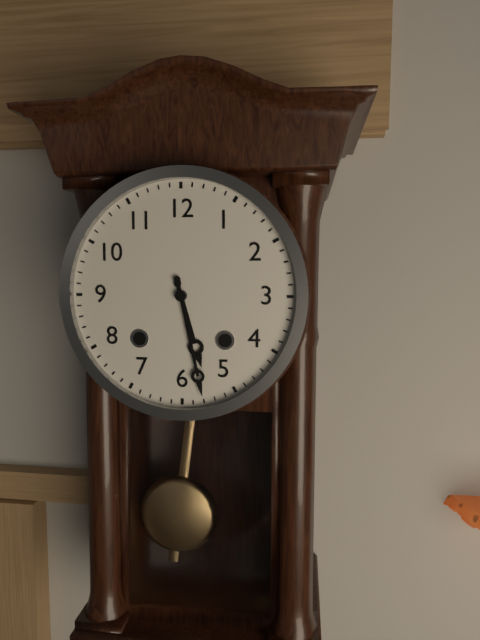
5:28
